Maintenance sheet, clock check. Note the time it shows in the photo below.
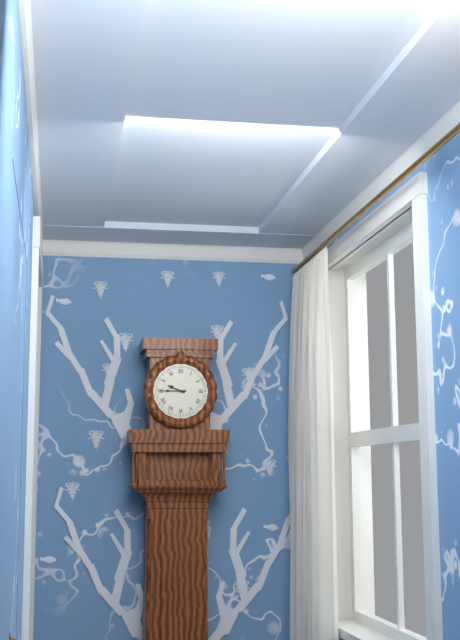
9:45
